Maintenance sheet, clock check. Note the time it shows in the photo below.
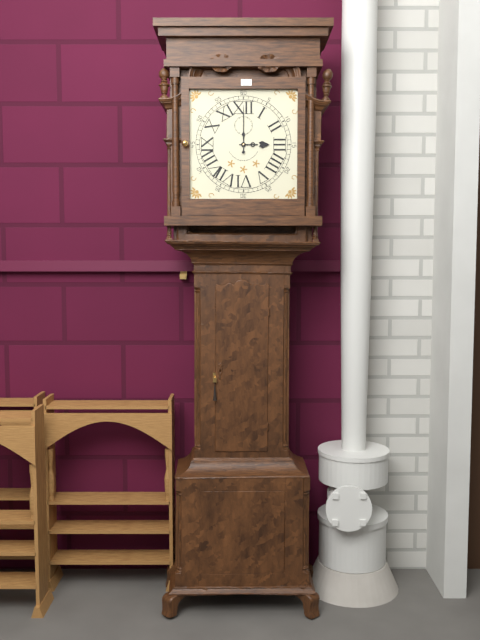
3:00
